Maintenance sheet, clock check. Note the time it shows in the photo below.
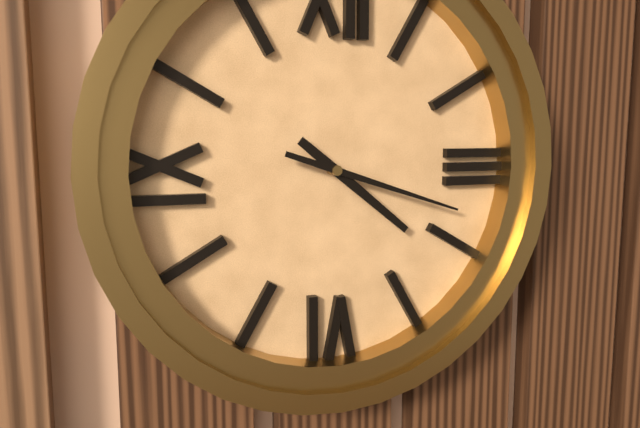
4:18
